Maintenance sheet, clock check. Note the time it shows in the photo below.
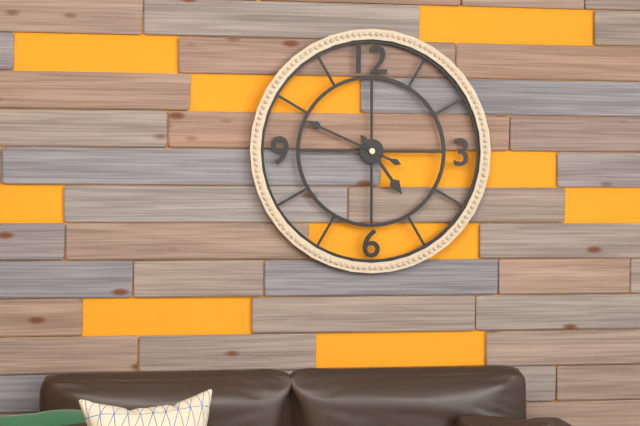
4:49
